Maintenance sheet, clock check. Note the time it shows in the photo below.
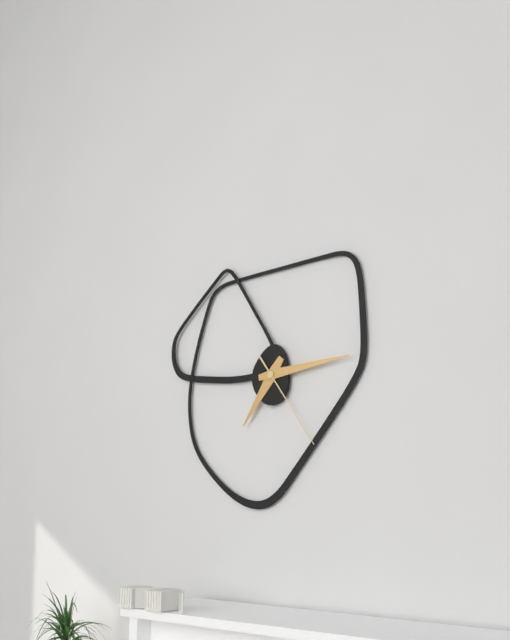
7:14:24
